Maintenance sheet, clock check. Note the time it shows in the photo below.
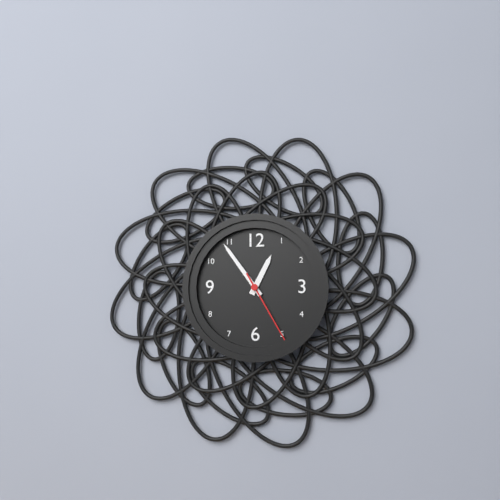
12:54:25
